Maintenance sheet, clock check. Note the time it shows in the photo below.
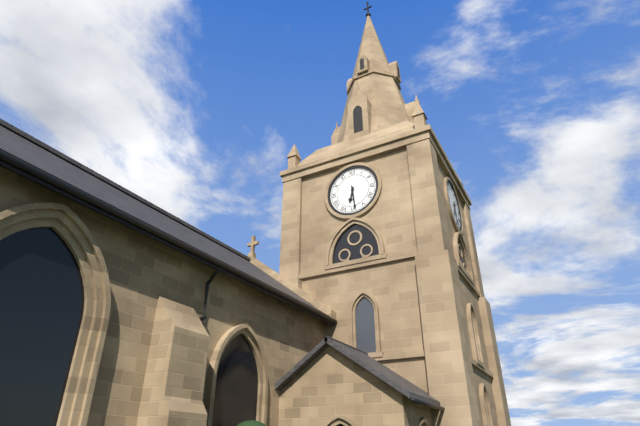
6:29
